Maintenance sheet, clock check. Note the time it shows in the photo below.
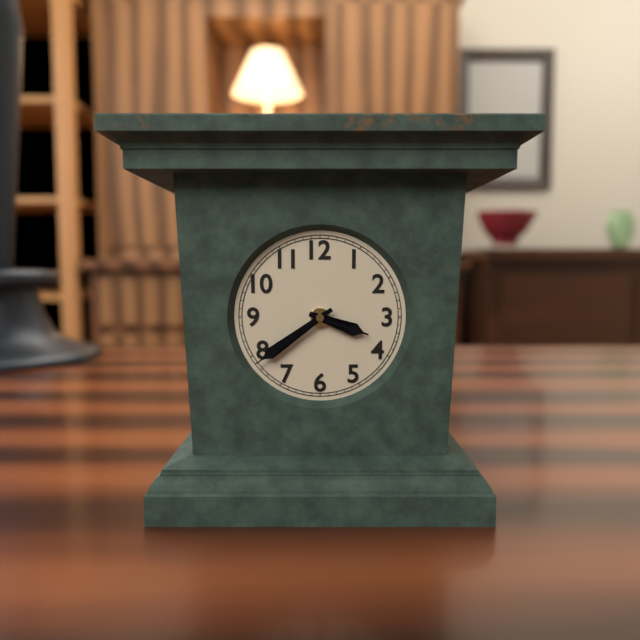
3:39
